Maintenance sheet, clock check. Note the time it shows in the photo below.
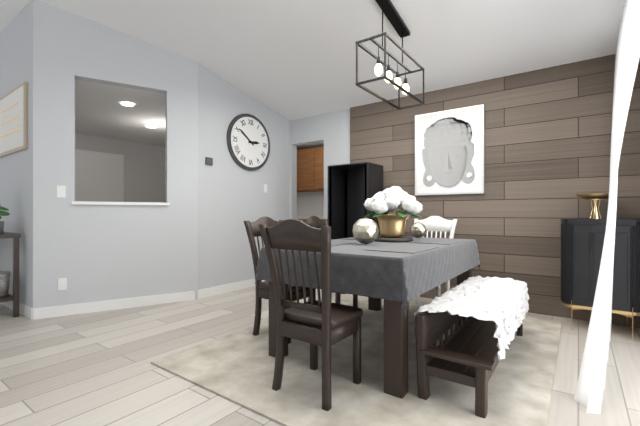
2:51
